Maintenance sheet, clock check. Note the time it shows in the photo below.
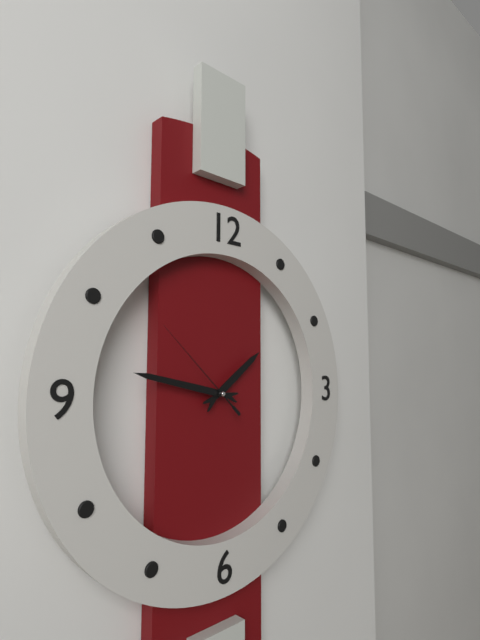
1:47:52
